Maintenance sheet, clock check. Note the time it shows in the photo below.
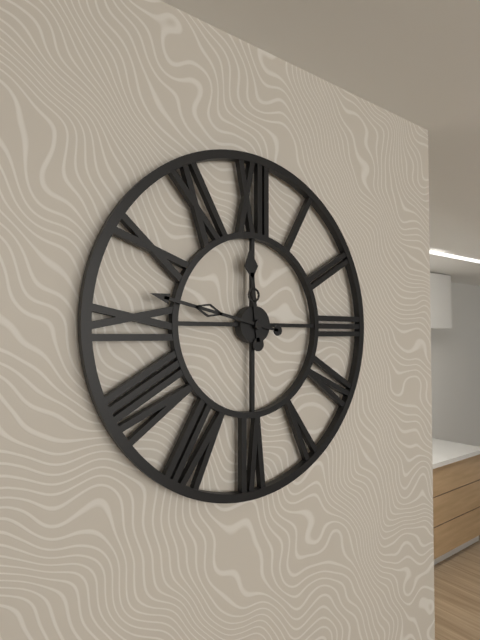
11:47
